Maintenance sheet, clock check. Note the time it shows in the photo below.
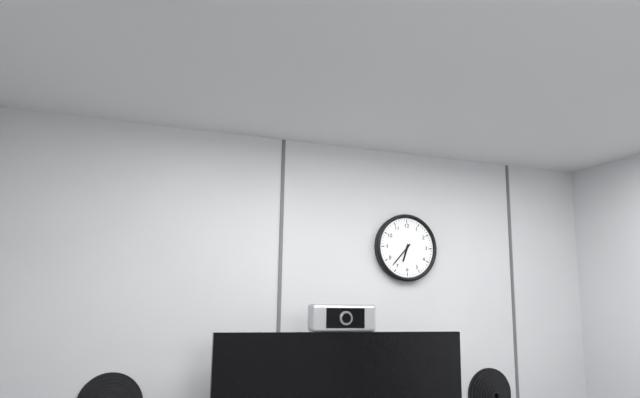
6:37
